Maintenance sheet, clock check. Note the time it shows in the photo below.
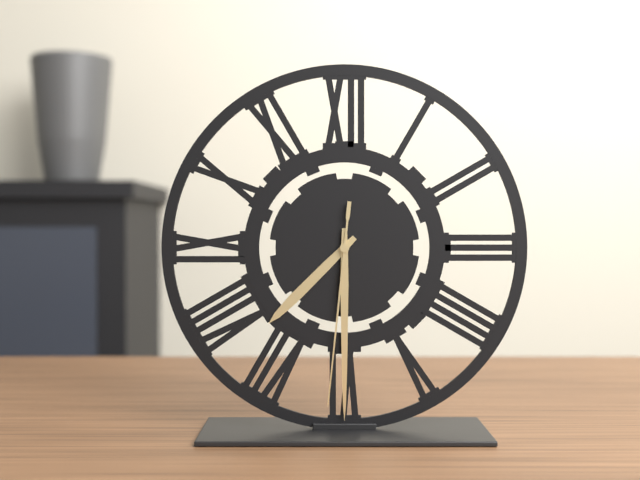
7:30:31
